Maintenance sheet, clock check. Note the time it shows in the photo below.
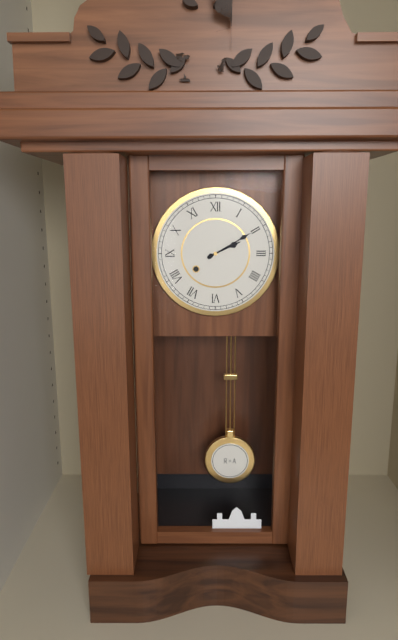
2:10
